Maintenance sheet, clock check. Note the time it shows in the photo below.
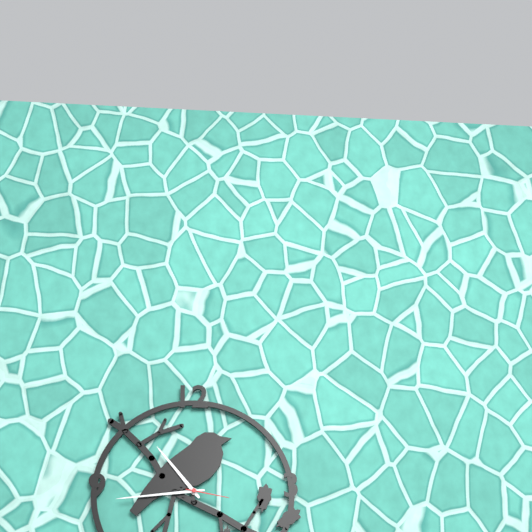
10:44
